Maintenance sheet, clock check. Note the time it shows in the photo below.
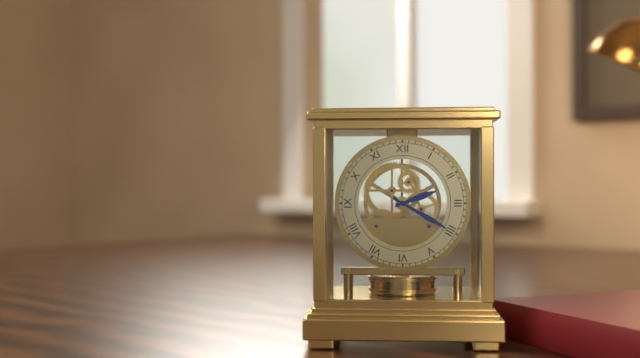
2:20
